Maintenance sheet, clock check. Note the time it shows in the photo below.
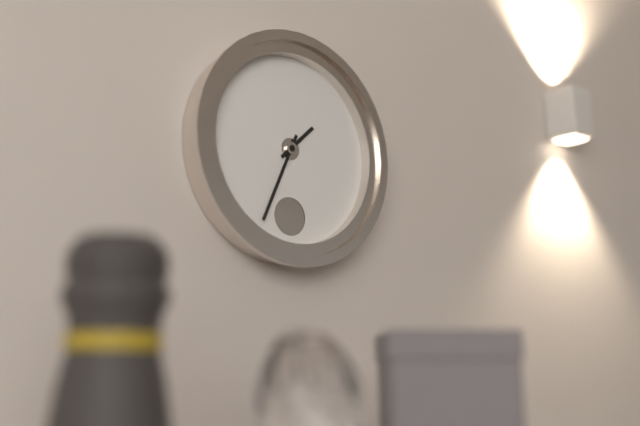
1:34
